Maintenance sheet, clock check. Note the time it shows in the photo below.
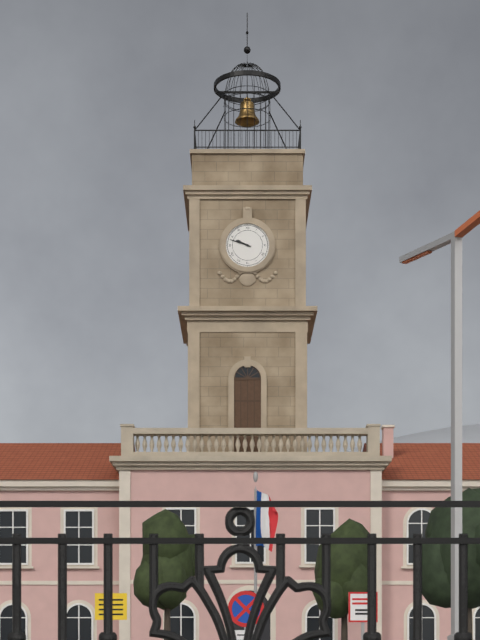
9:48
